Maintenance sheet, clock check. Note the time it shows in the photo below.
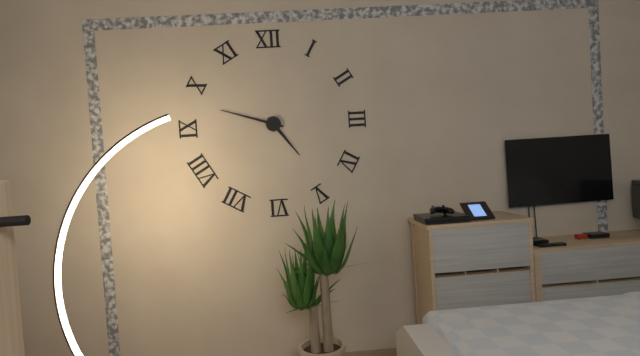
4:48
